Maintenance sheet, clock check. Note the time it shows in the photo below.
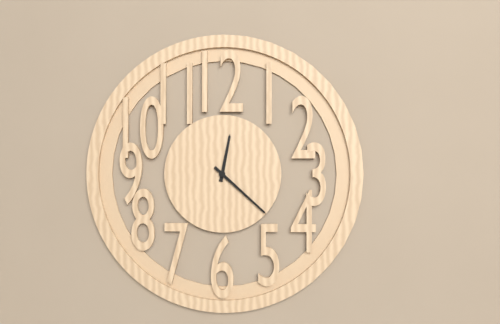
12:22
